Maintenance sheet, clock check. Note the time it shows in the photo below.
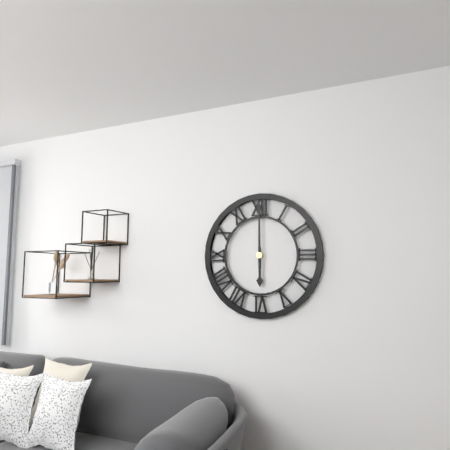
6:00
